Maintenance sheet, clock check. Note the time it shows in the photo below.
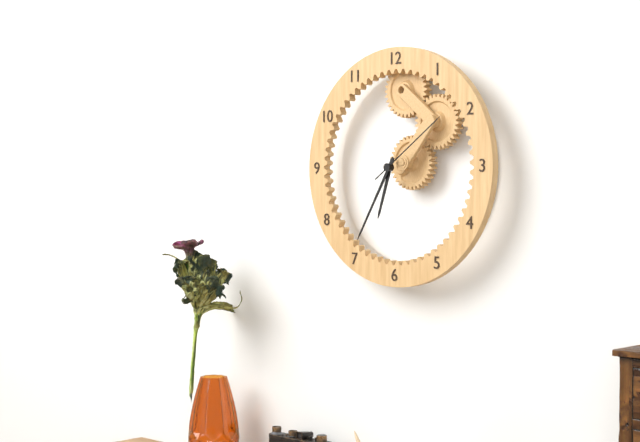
6:35:09
